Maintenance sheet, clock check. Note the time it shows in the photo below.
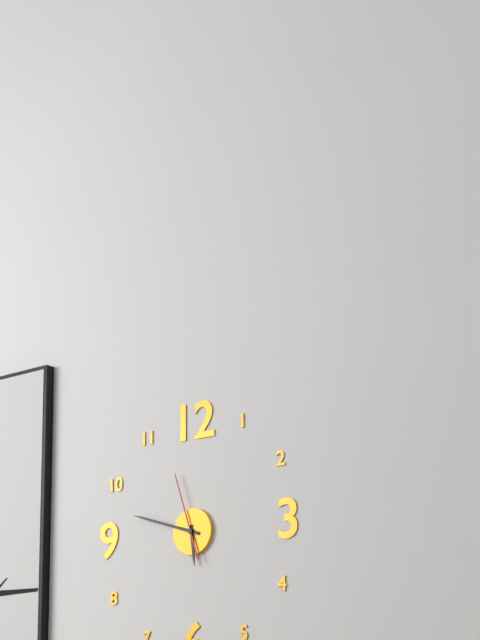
5:48:57
